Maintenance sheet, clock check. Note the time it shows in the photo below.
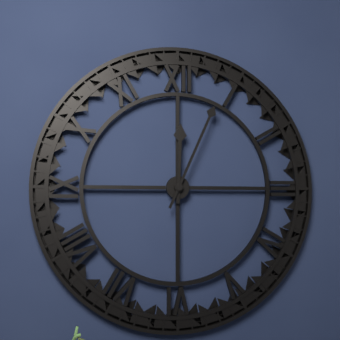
12:04
